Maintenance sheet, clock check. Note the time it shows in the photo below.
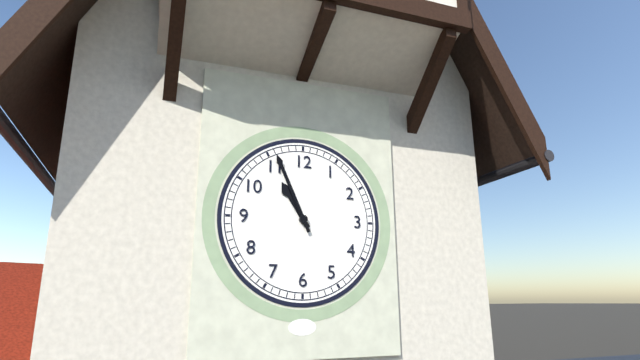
10:56
